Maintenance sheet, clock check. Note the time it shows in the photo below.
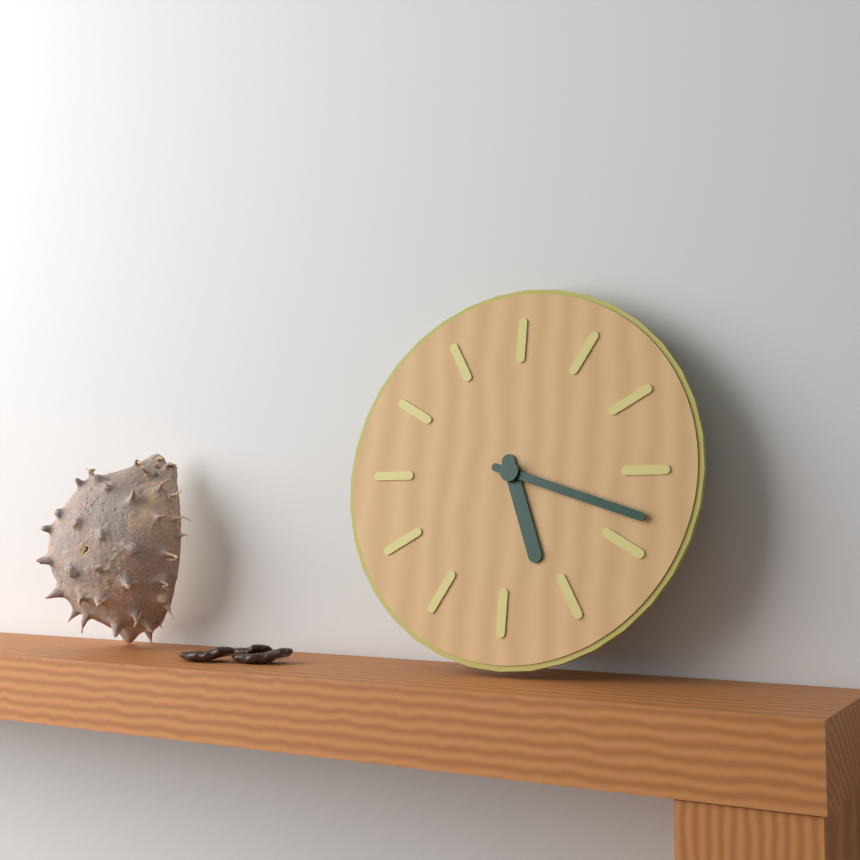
5:18
